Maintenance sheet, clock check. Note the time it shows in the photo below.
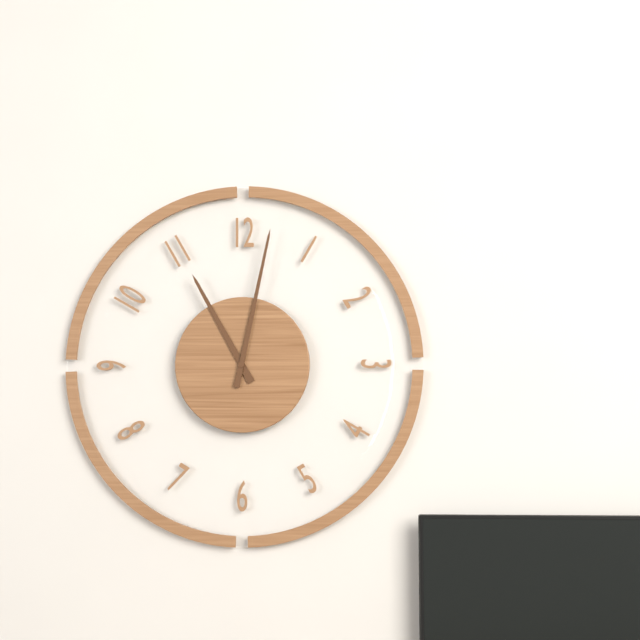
11:02
